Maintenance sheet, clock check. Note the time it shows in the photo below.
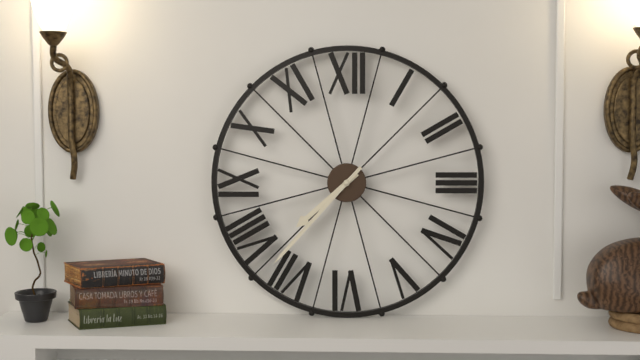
7:37
